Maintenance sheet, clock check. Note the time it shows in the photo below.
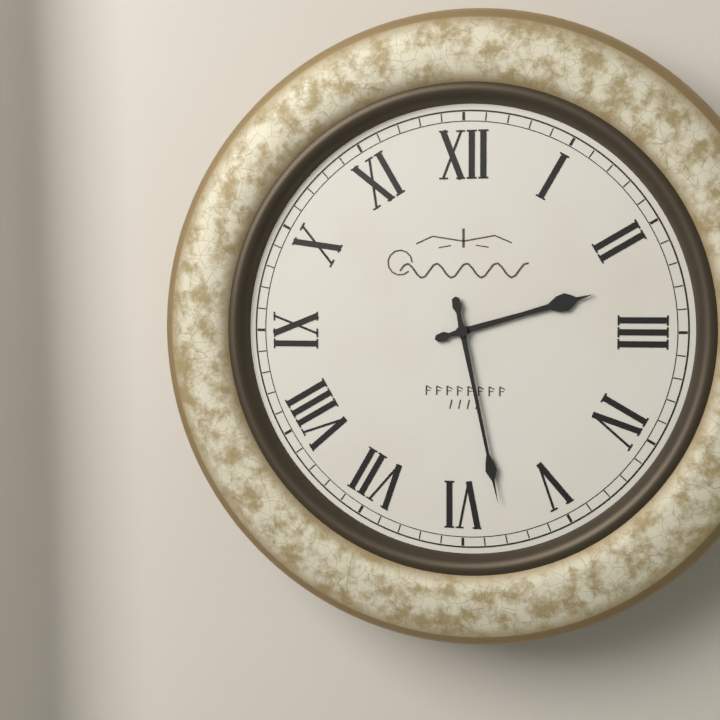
2:28
